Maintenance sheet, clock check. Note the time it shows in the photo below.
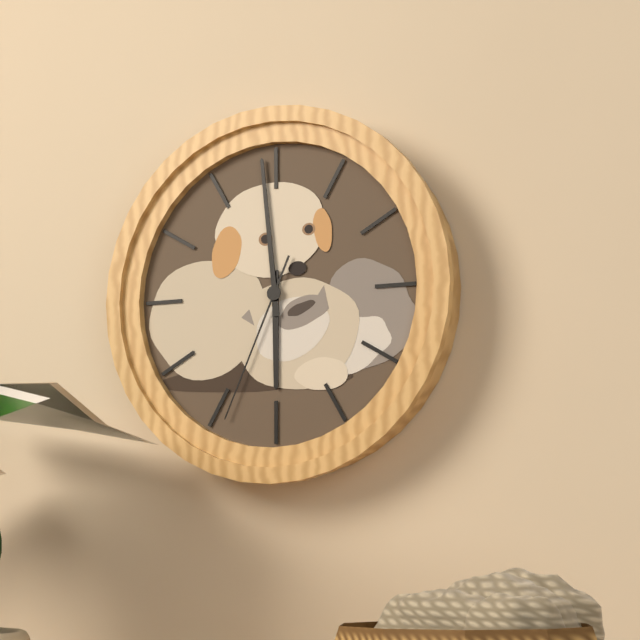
5:59:34
